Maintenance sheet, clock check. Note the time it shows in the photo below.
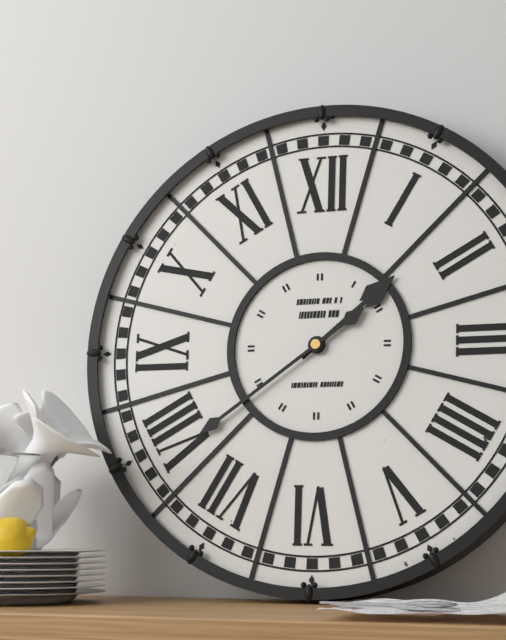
1:39
